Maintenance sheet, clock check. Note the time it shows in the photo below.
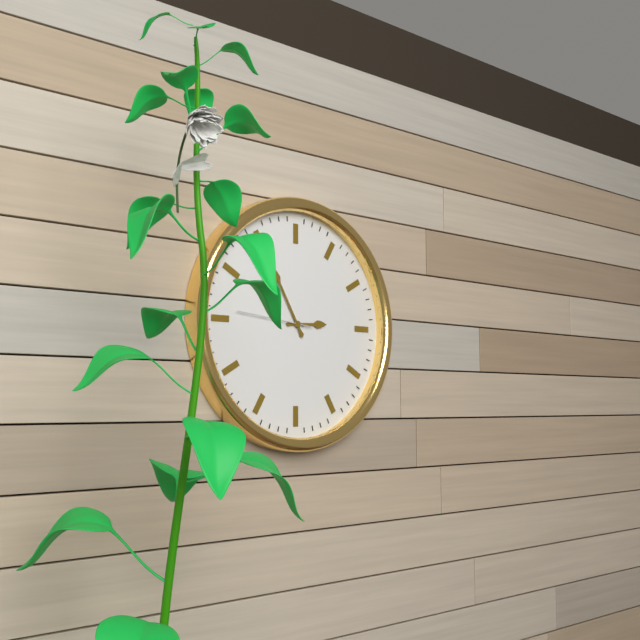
2:55:46
